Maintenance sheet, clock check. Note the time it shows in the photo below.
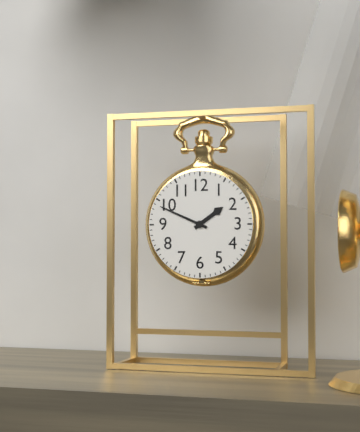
1:49
